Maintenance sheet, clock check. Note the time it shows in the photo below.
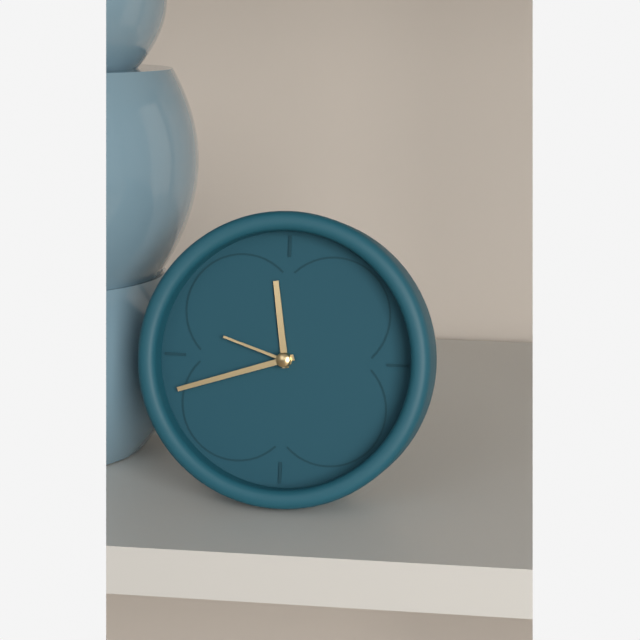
11:42:48
